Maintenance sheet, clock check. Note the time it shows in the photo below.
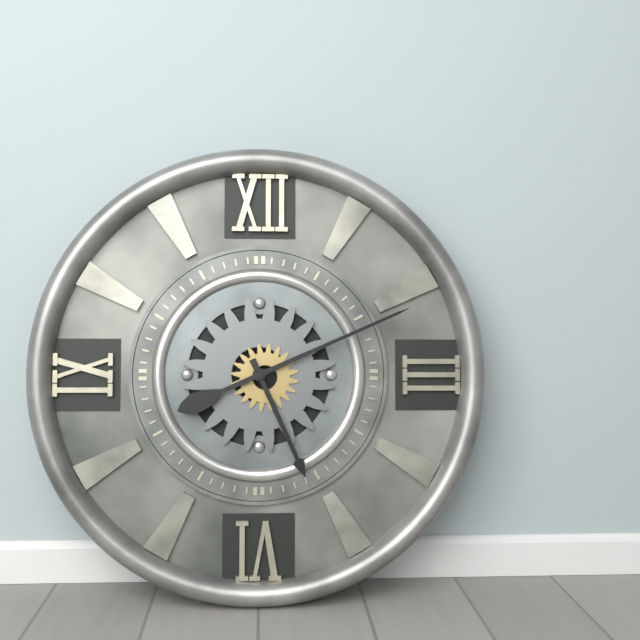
5:11
